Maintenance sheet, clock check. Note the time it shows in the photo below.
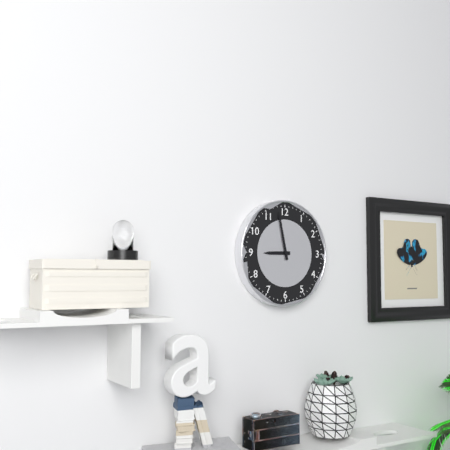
8:58
